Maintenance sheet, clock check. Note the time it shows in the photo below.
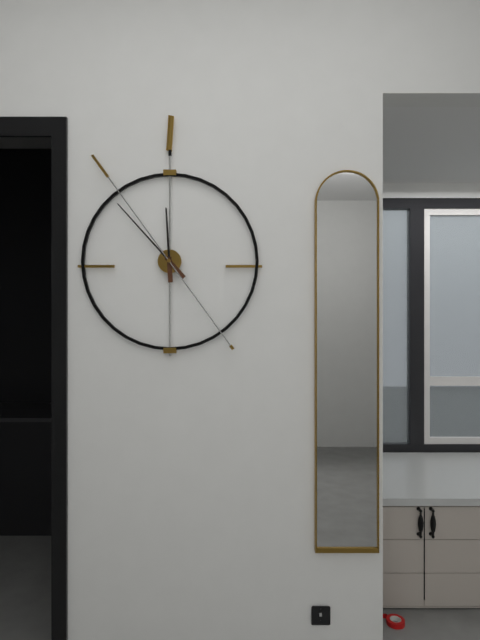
11:53:54
